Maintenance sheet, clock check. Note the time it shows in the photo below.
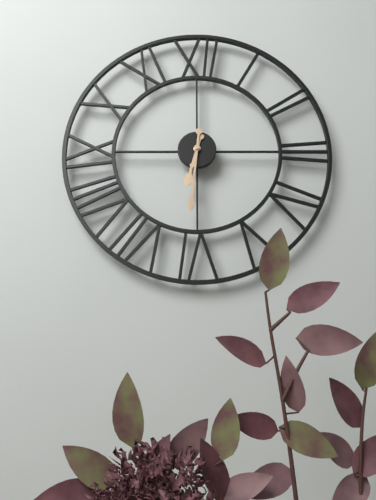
6:31
